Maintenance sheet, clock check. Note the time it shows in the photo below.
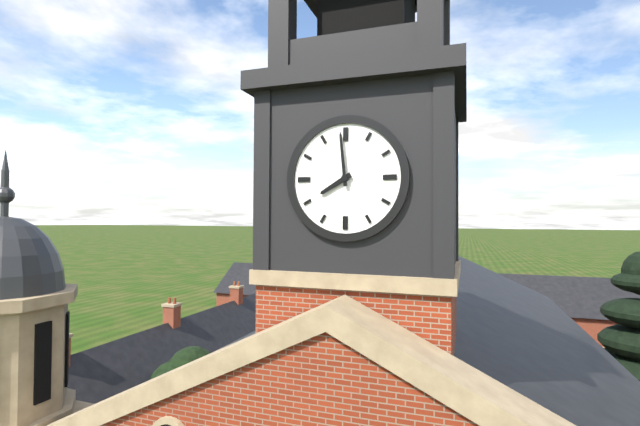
7:59
